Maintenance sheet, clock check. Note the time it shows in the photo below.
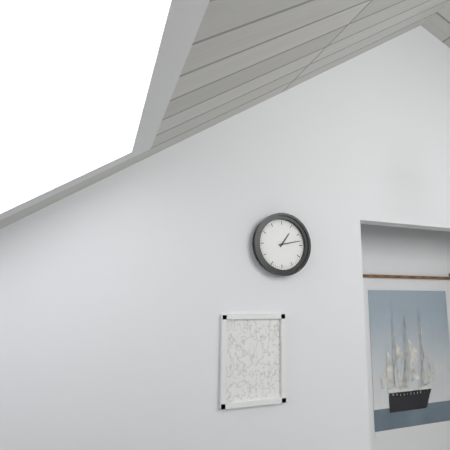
1:13
